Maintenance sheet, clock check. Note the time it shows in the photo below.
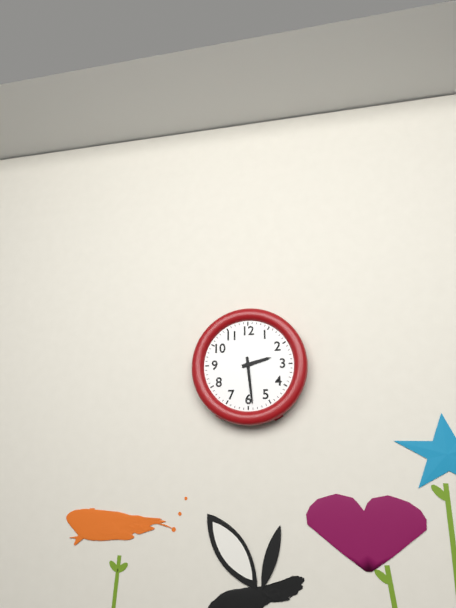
2:29
